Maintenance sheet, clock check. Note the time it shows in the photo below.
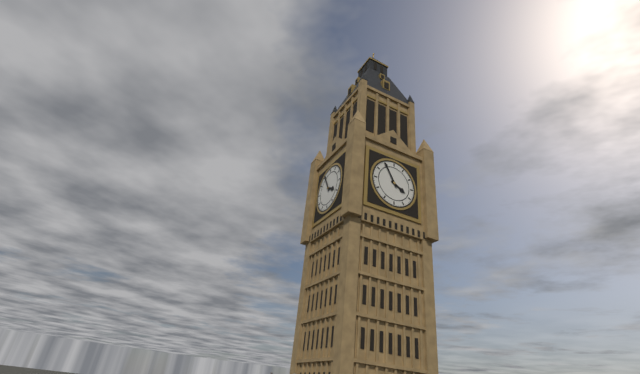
3:55
